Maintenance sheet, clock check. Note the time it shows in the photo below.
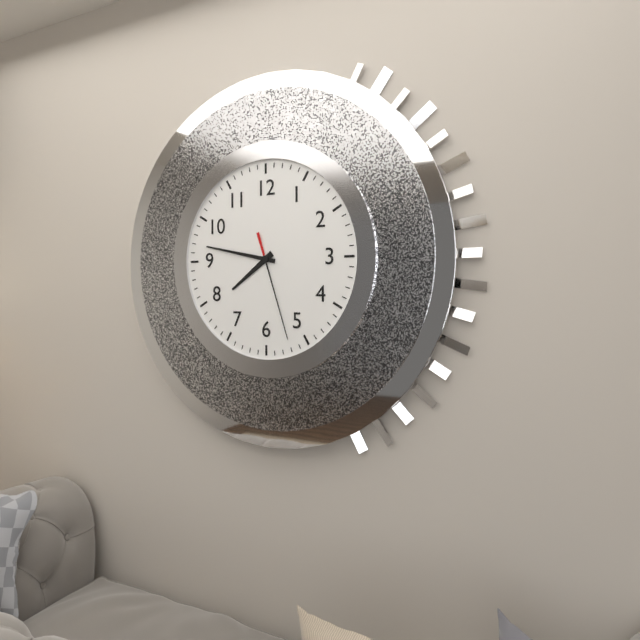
7:47:27
